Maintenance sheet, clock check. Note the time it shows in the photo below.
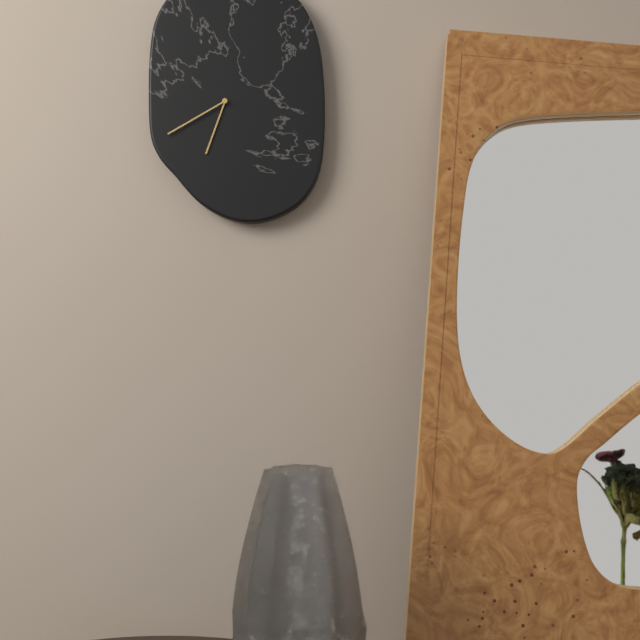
6:40
